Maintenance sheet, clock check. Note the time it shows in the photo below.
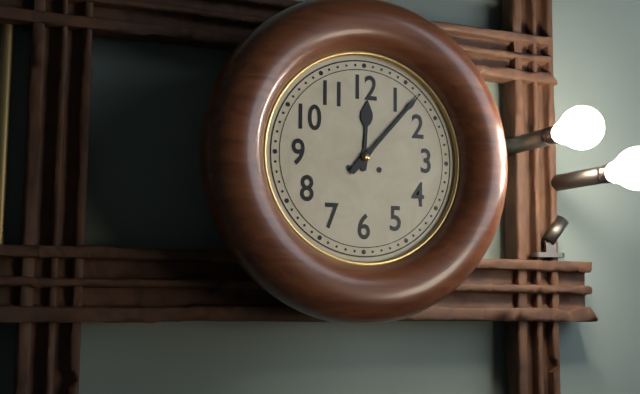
12:07
